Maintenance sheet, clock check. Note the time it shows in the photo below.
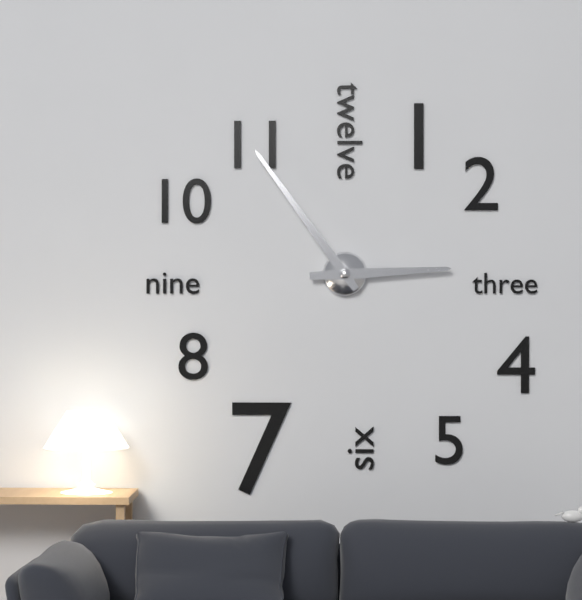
2:54
